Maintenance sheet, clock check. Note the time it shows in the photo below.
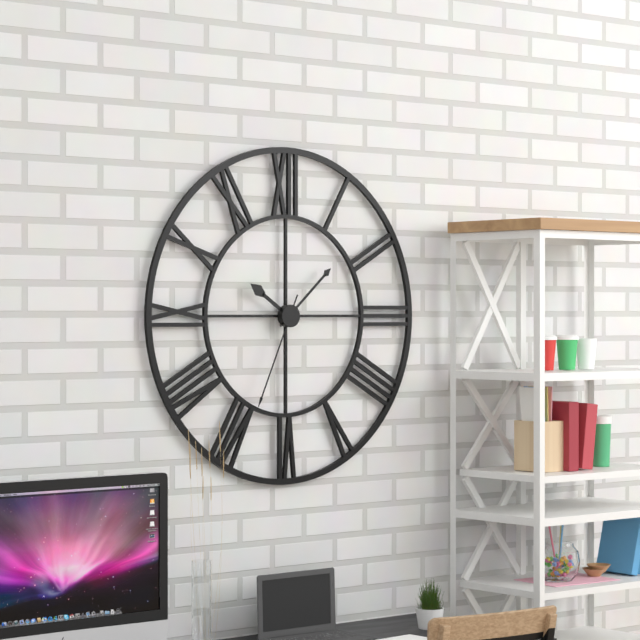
10:08:34
